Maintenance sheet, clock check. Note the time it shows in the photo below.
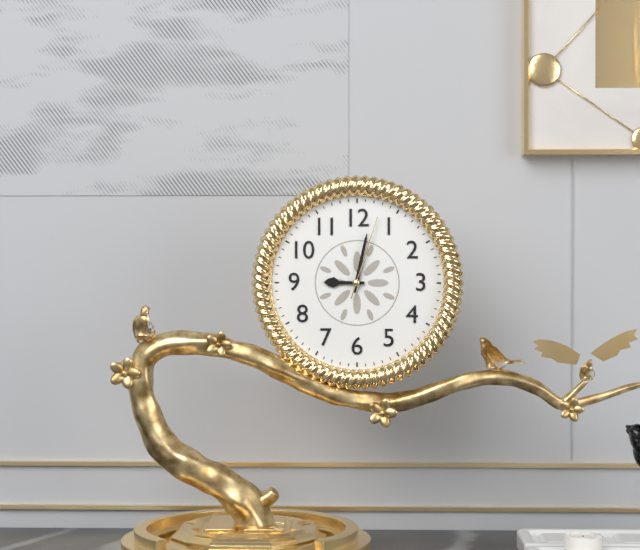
9:02:03
